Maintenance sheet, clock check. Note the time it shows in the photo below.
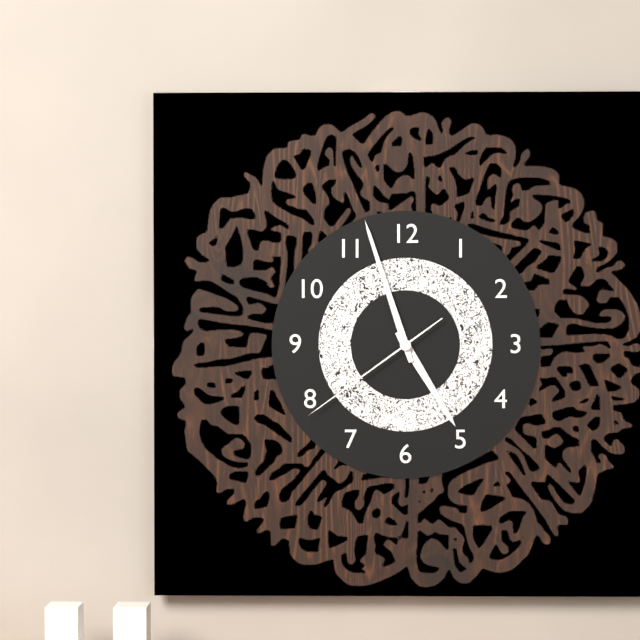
4:57:39
